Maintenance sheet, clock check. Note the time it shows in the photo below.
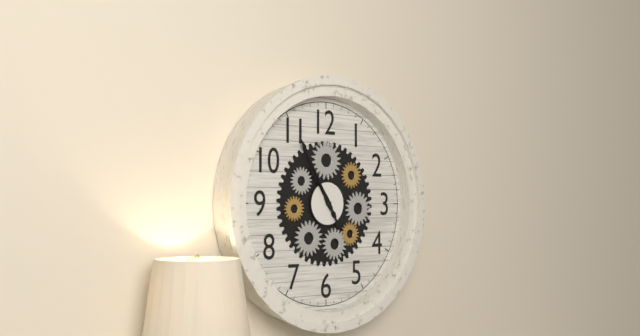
10:55
